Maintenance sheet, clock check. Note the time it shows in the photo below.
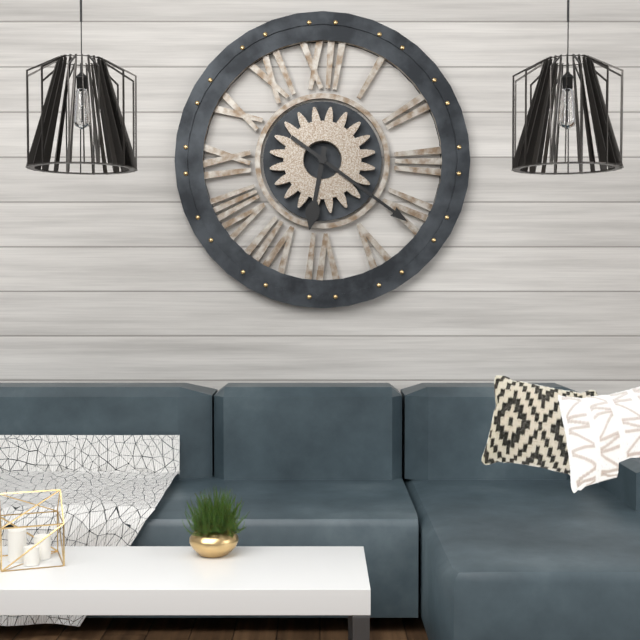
6:21
